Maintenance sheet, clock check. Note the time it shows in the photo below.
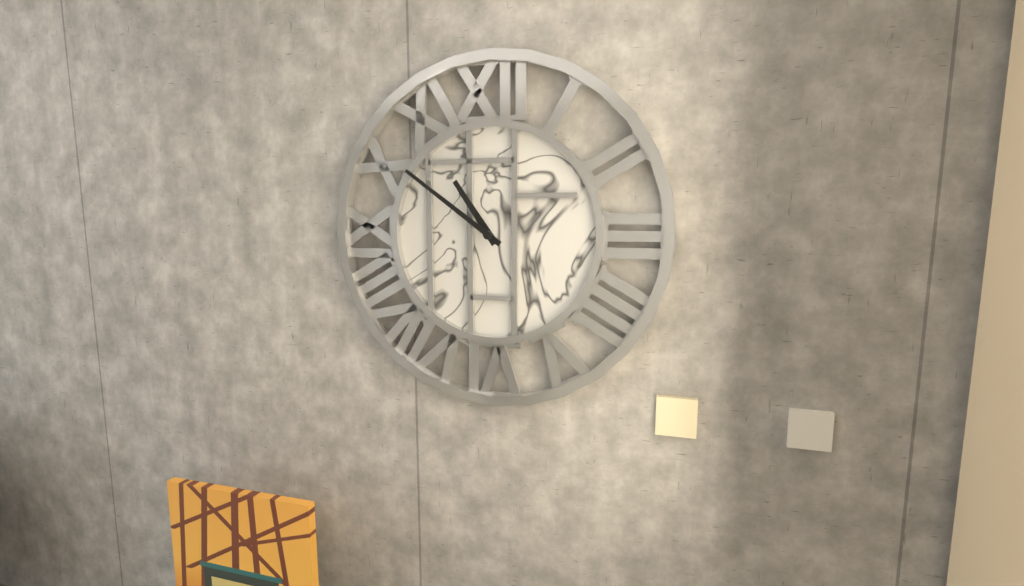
10:51
